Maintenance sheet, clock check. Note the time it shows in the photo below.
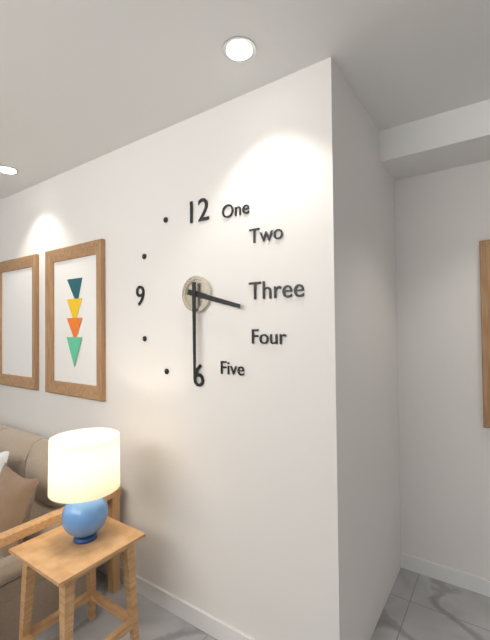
3:30
